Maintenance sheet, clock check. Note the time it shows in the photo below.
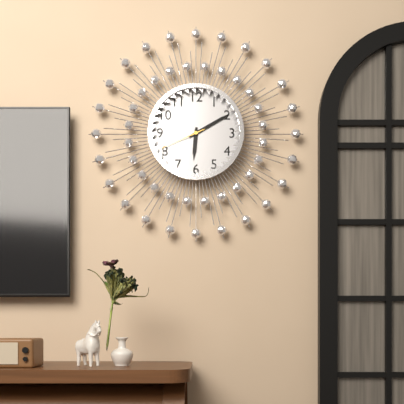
6:10
